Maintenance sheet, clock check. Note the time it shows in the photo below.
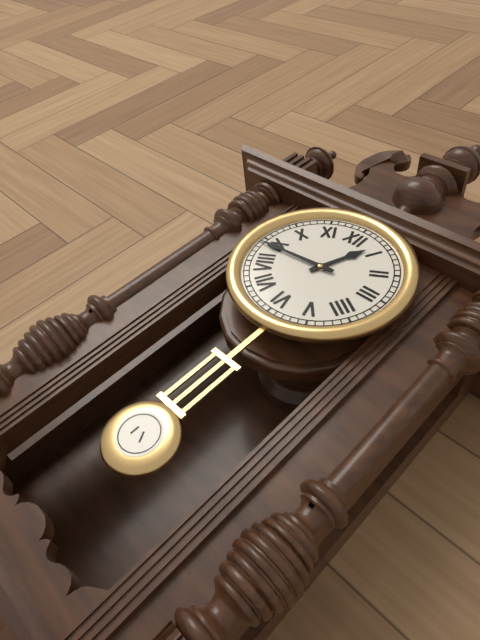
12:44
